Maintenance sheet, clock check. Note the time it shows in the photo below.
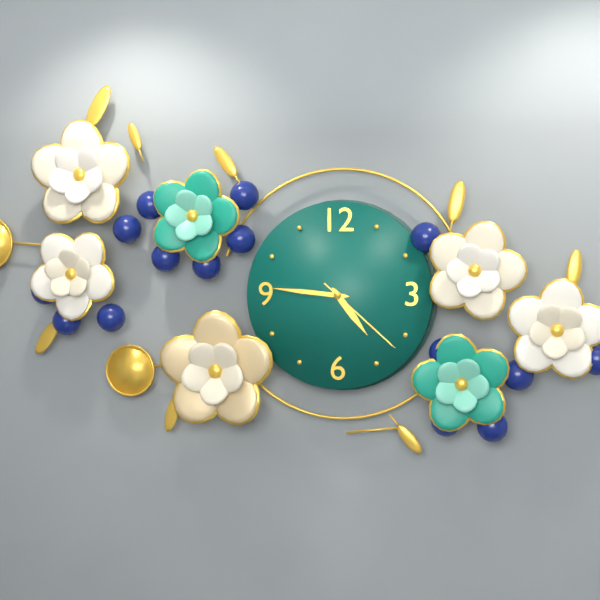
4:46:22
